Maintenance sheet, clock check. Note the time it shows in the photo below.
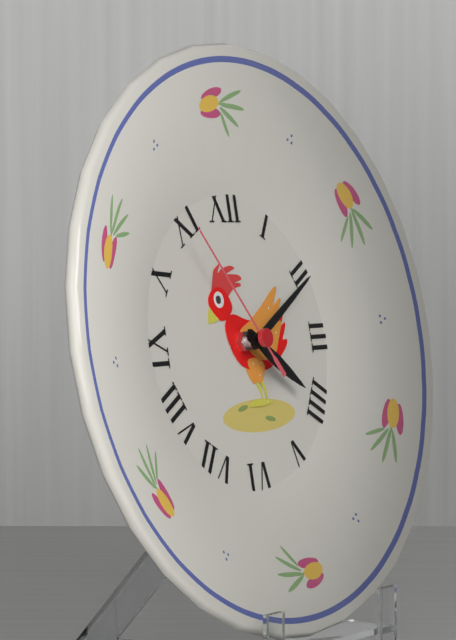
4:10:54
